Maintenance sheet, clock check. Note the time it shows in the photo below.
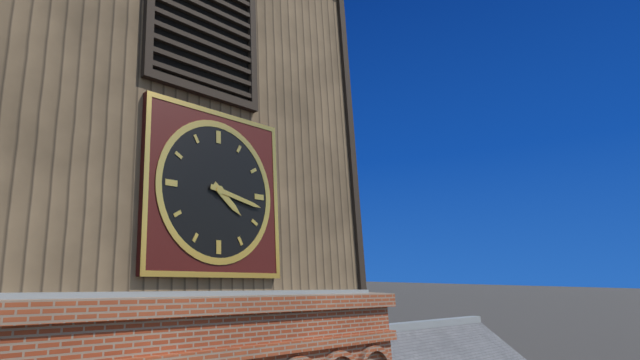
4:17
